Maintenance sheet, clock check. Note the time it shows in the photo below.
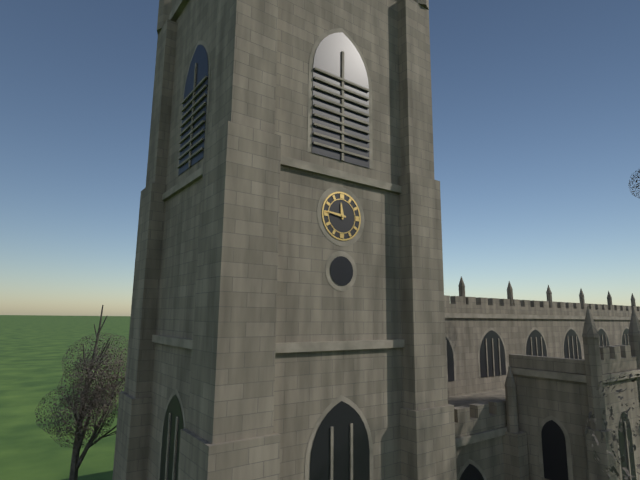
11:46
